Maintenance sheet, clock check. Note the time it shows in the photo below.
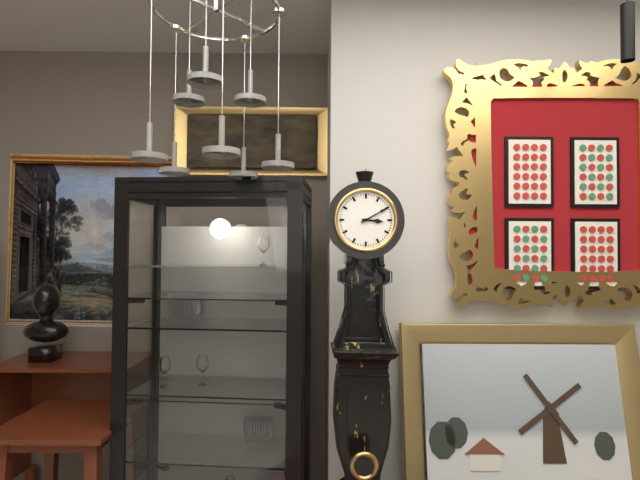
3:10
